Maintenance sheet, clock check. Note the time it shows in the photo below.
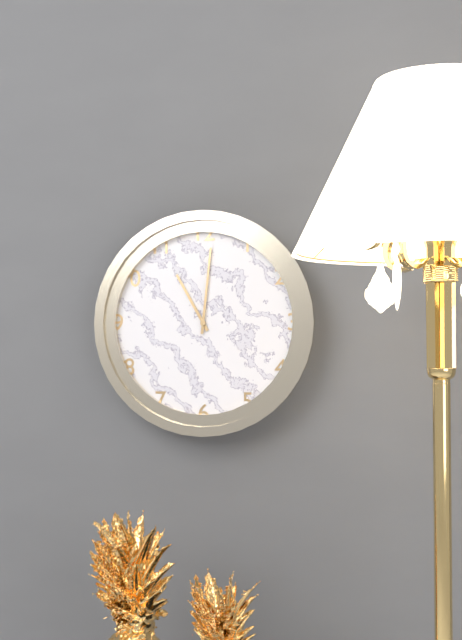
11:01
